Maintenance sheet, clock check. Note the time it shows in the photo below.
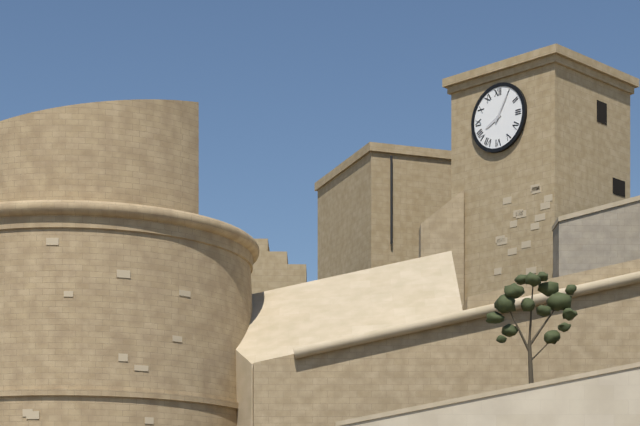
8:05
